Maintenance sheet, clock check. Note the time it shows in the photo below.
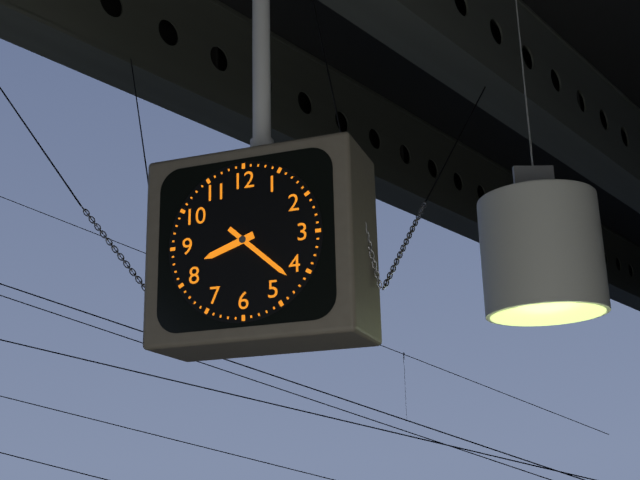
8:22
